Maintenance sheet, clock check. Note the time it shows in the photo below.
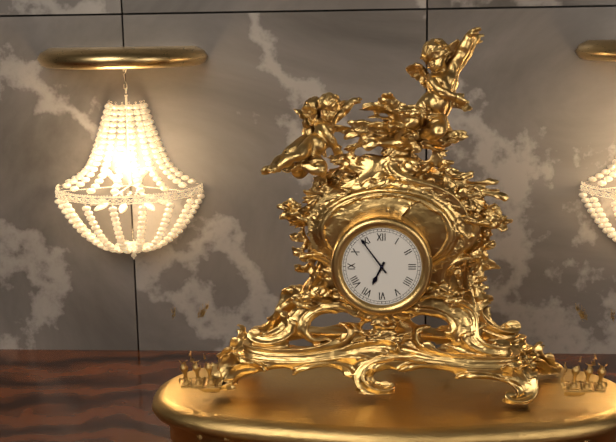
6:54
